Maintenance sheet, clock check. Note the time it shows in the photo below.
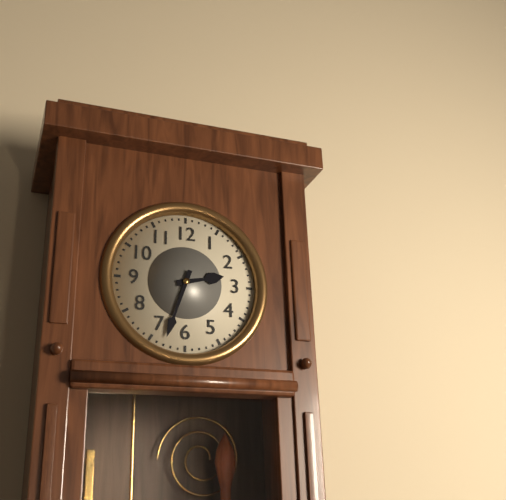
2:33
